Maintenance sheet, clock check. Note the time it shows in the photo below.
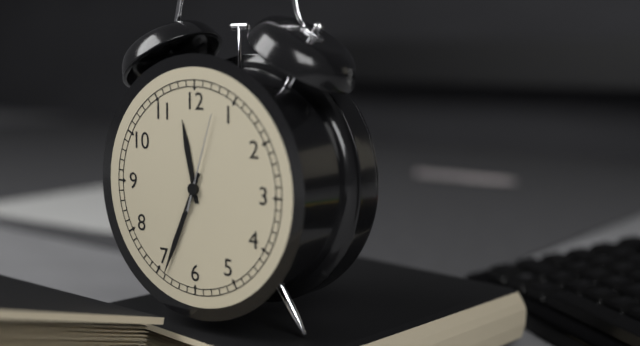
11:34:03
